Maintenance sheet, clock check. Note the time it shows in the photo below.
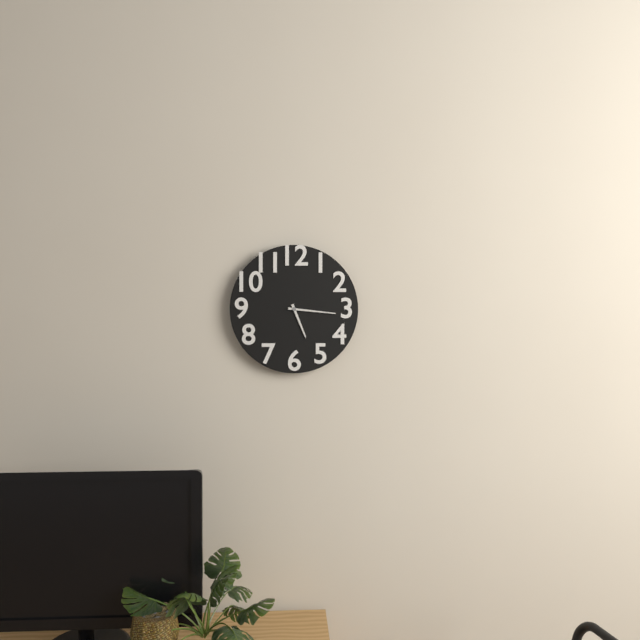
5:16
